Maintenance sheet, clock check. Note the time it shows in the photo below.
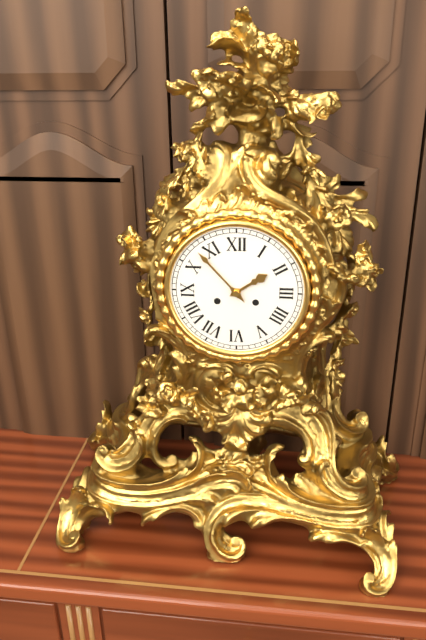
1:53
